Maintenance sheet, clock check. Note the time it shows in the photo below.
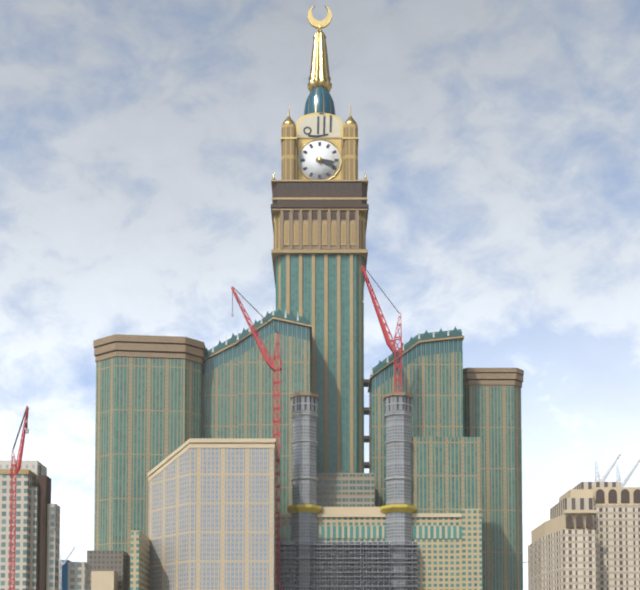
3:19
